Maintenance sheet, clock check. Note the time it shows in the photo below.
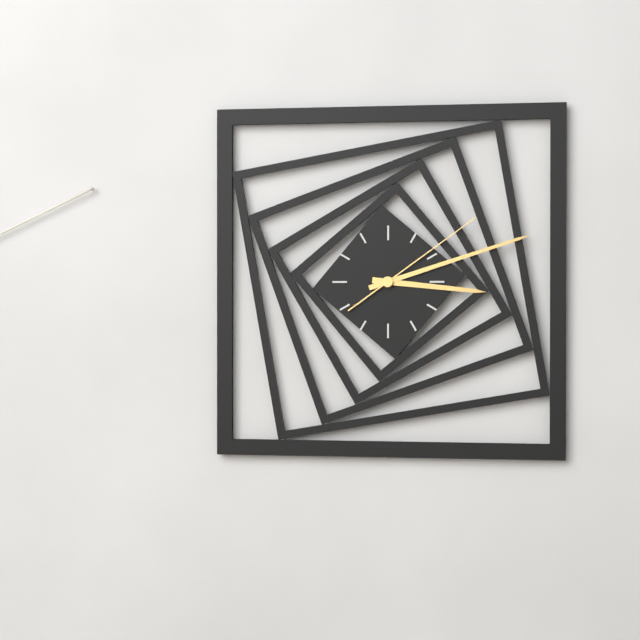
3:12:09
